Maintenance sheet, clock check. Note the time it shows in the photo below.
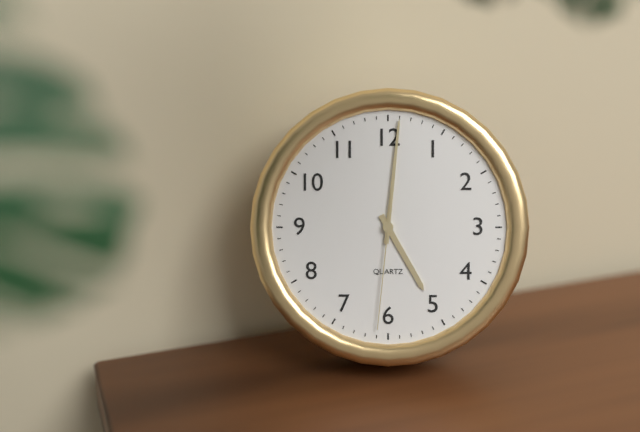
5:01:31
